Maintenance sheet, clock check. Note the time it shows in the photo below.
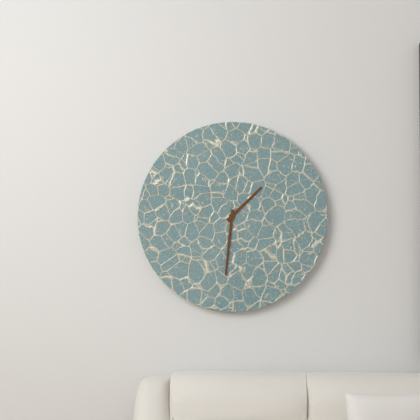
1:31
